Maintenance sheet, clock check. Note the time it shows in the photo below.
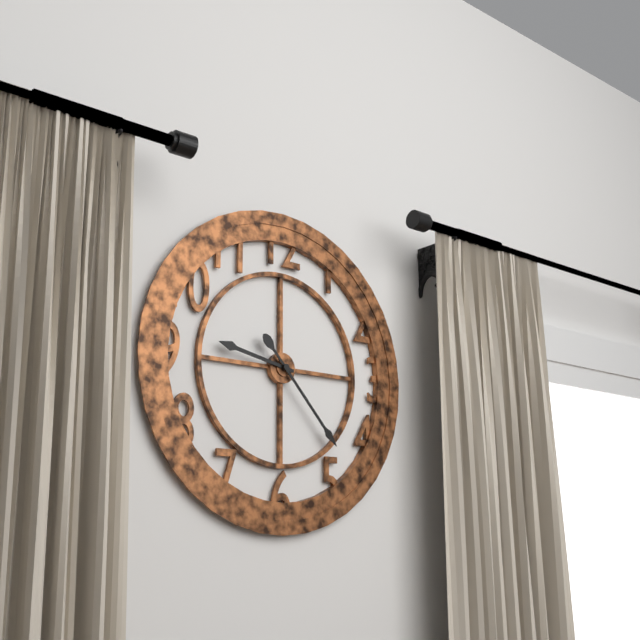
9:23
